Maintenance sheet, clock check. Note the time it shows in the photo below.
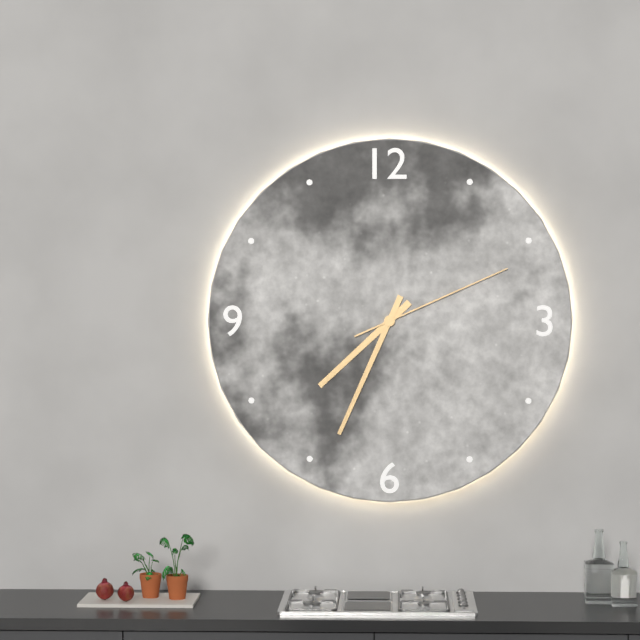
7:34:11
